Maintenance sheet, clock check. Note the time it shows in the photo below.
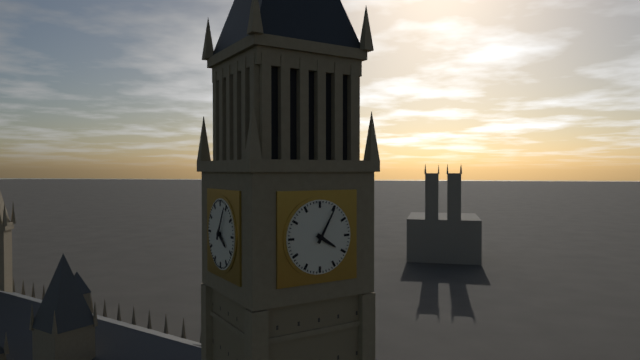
4:05
